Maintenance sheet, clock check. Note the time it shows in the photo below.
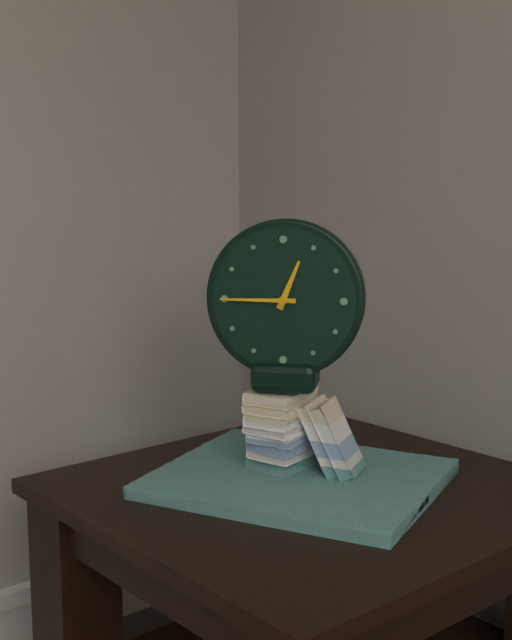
12:45
